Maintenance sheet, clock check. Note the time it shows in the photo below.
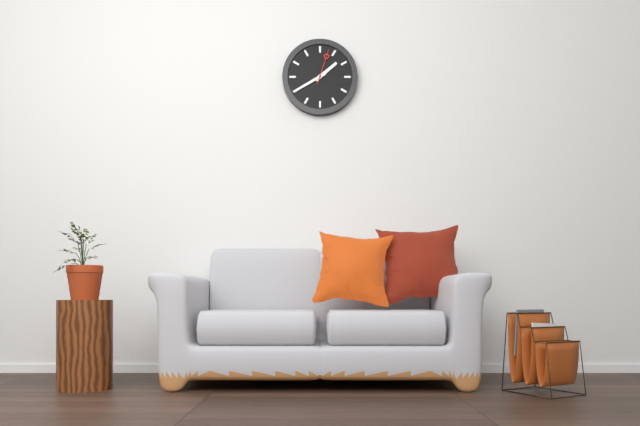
1:40
